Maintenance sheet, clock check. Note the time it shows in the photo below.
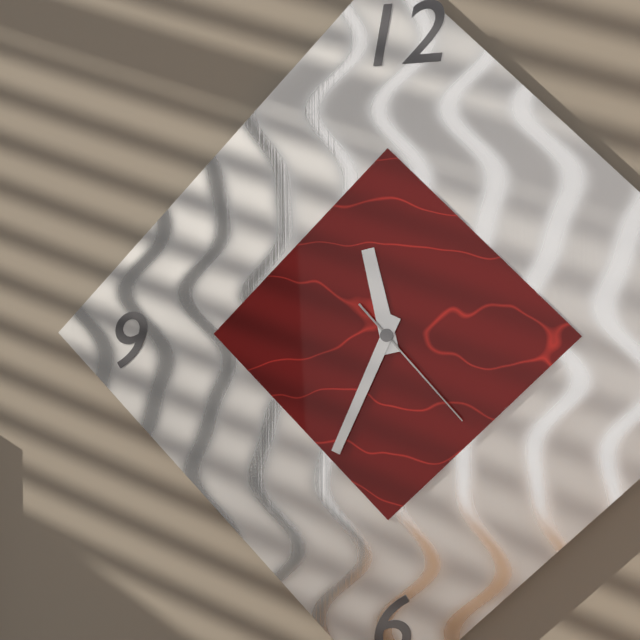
11:34:23
